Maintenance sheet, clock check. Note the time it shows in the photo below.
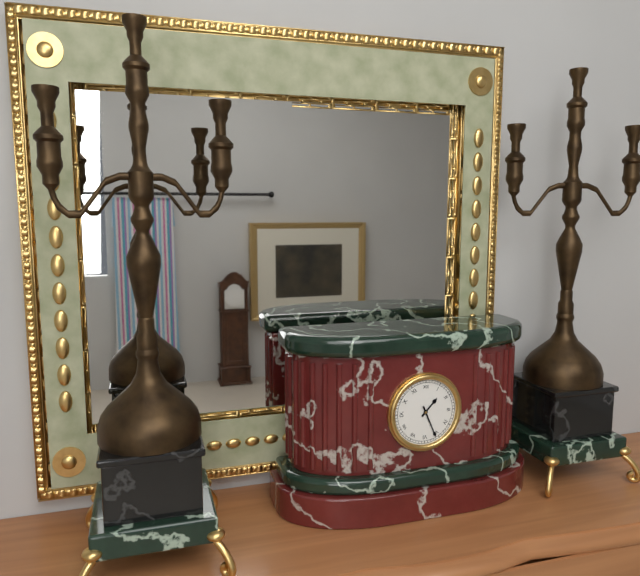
1:26
